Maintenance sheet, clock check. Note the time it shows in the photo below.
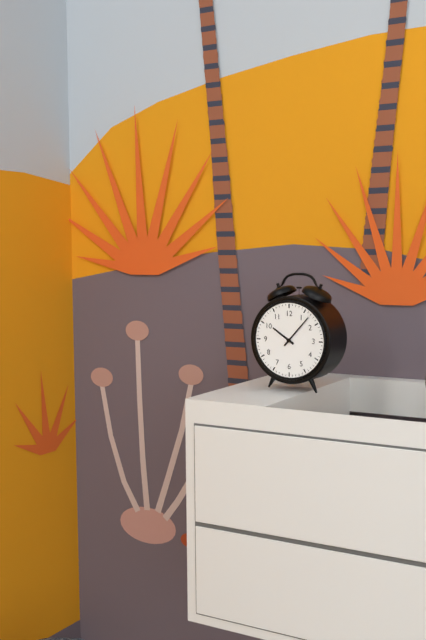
10:07
